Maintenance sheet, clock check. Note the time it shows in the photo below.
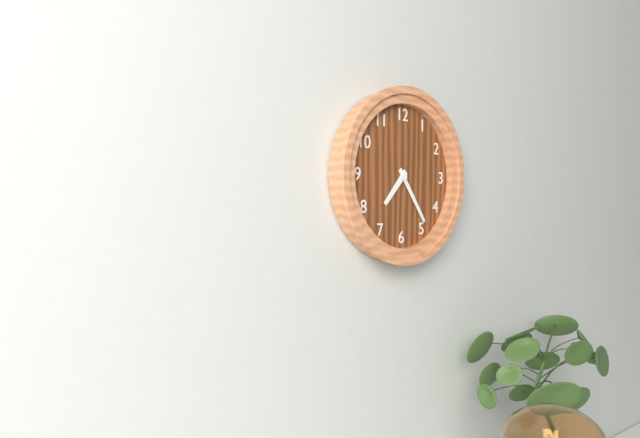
7:24
